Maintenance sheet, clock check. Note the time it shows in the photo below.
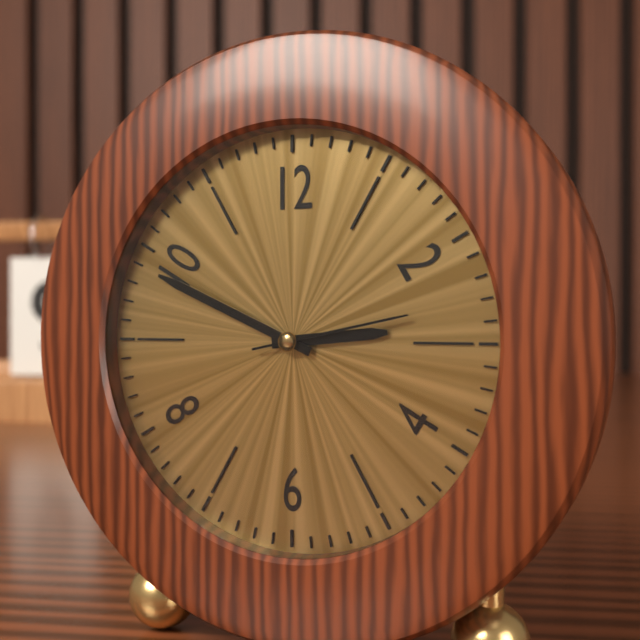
2:49:13
